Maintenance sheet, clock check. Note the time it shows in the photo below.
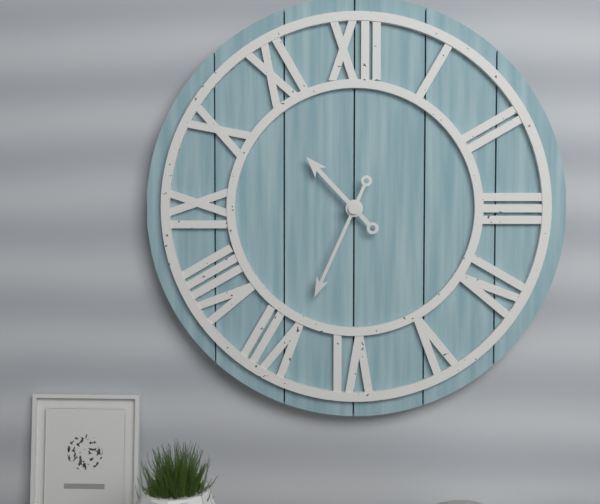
10:34
